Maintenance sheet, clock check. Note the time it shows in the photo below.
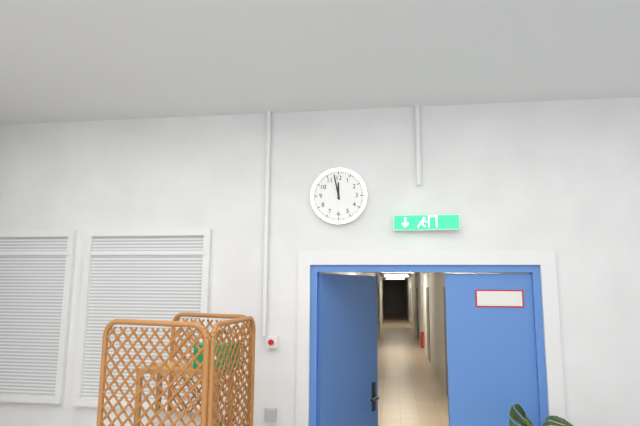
11:58
